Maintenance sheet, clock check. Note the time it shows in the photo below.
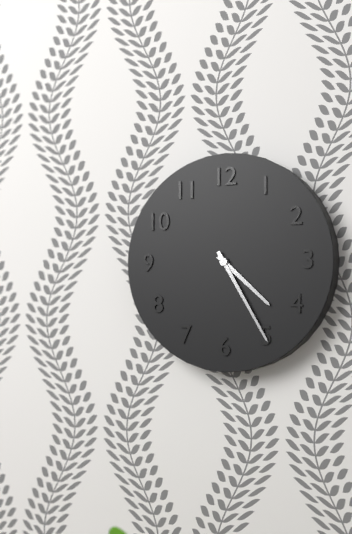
4:25
